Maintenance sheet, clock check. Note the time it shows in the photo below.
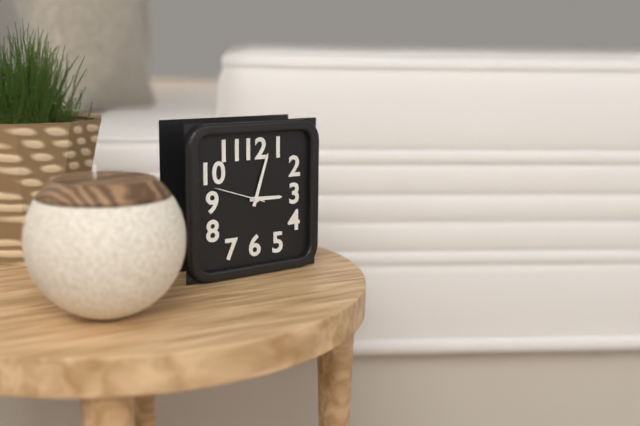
3:03:48
